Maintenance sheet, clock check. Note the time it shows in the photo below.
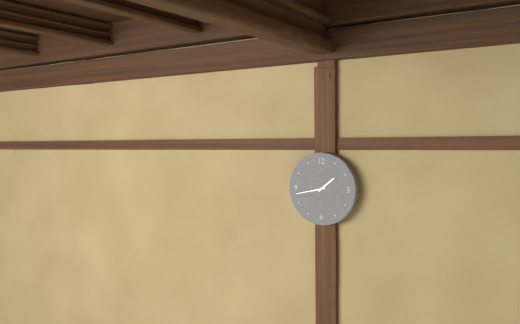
1:43
